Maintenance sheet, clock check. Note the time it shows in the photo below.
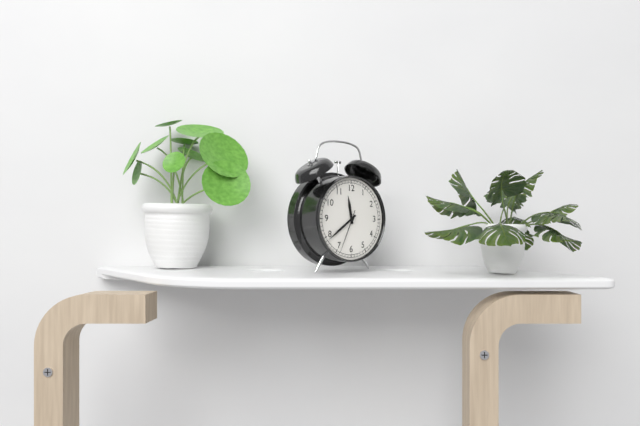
11:39
